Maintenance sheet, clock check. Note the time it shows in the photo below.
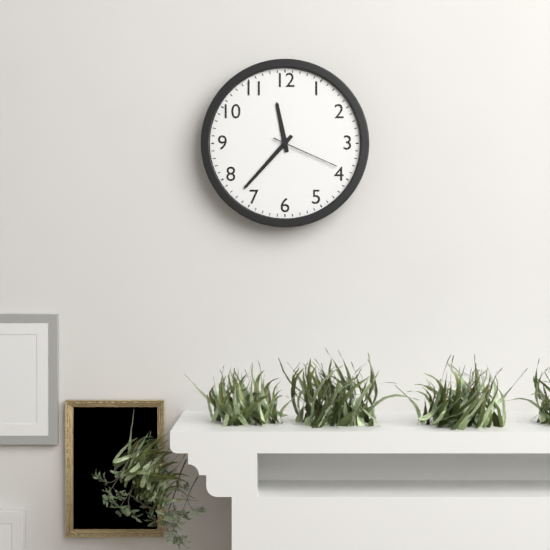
11:37:19
